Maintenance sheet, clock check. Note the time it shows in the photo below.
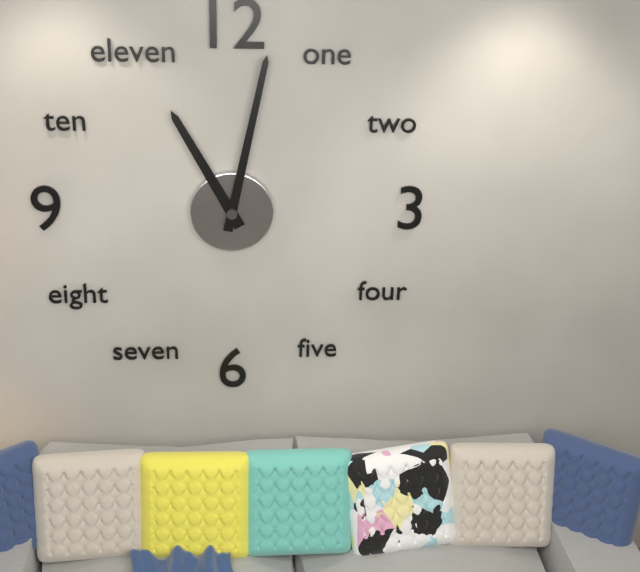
11:02
